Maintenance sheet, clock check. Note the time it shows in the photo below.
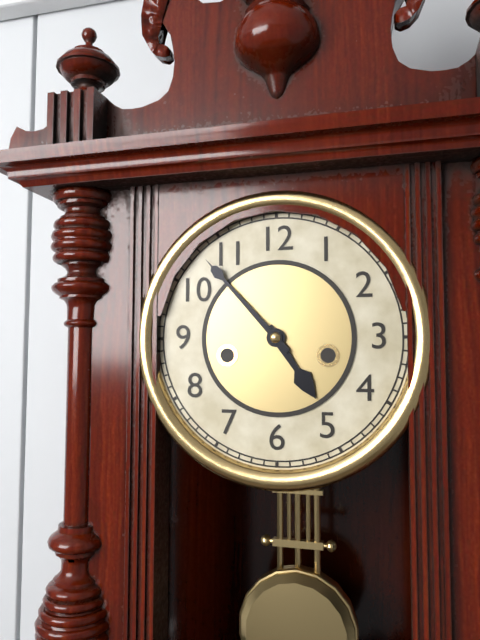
4:53
